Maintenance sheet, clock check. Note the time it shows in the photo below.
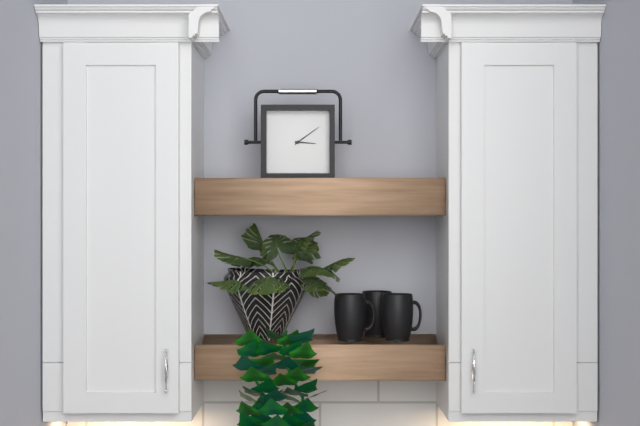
3:09
